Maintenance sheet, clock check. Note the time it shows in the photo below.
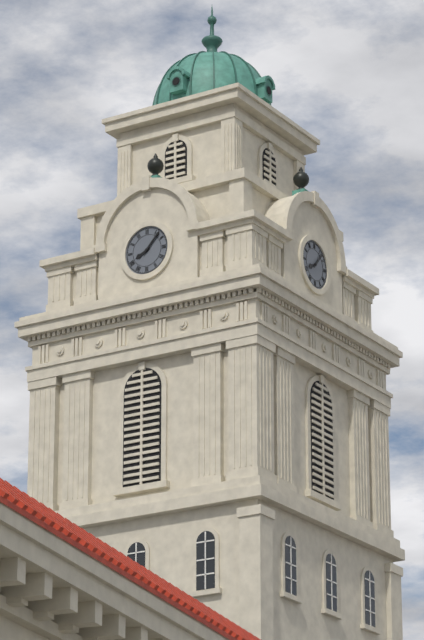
8:07
